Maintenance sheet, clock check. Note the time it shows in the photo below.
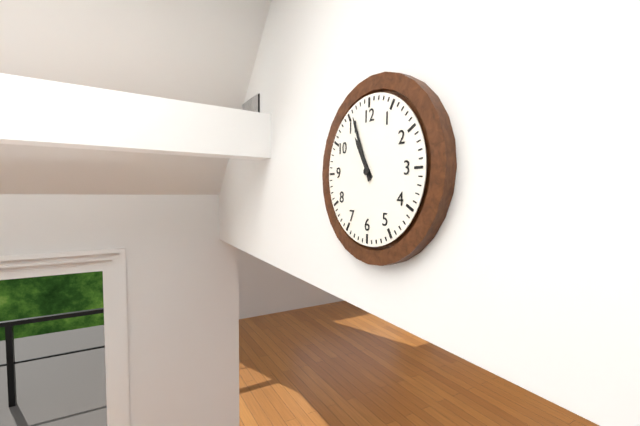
10:56
